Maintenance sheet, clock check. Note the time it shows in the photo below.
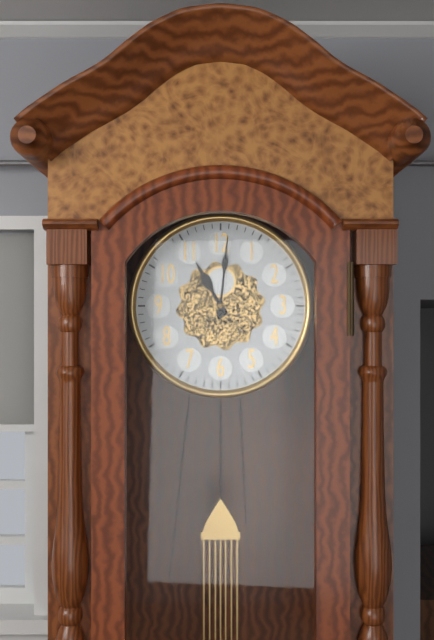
11:01
